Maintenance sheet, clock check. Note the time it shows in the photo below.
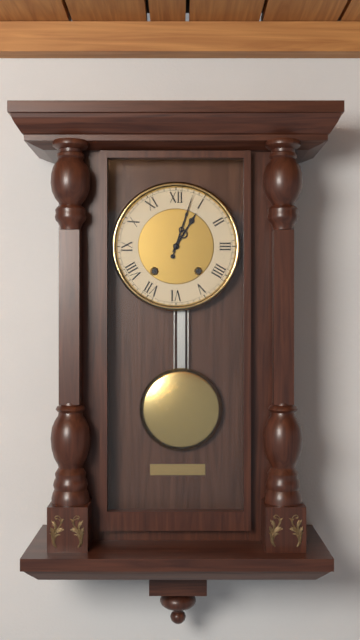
1:03
